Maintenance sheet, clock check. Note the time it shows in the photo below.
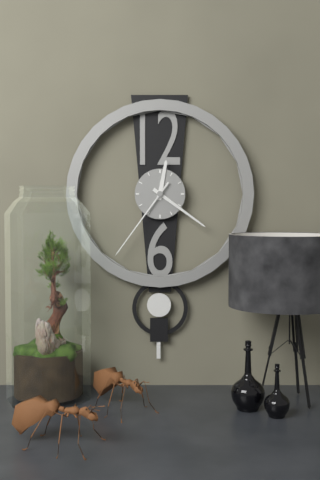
12:21:36
